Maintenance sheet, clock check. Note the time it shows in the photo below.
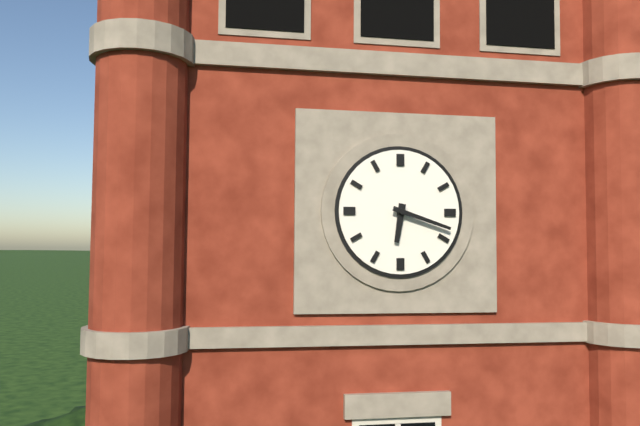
6:18
